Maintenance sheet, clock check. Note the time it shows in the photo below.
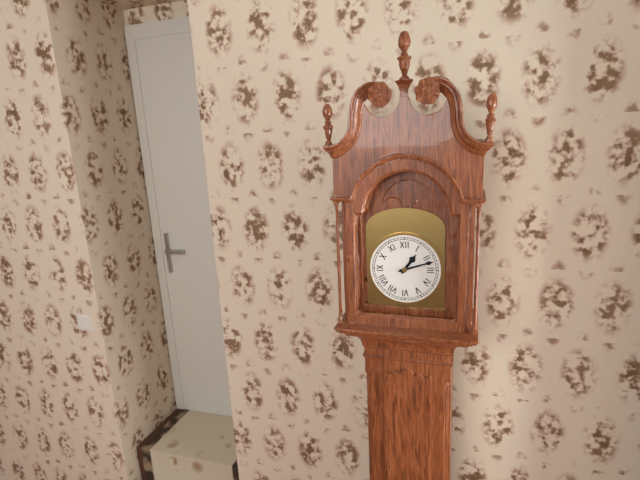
1:12
